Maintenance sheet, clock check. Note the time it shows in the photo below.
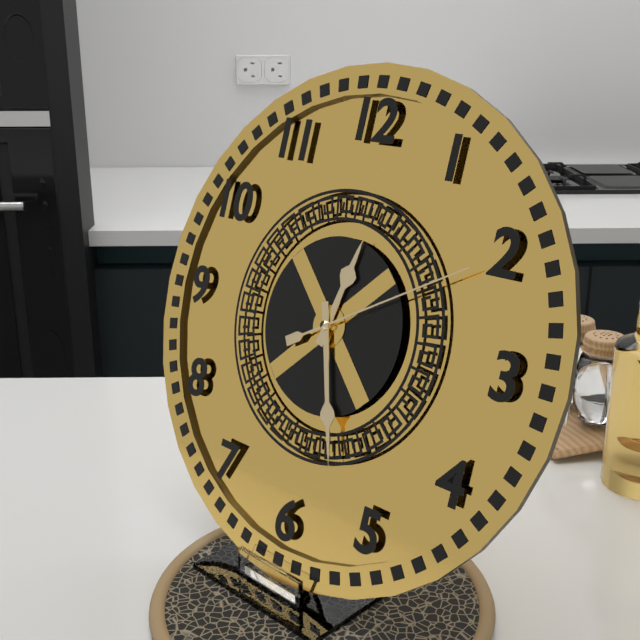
12:27:10
